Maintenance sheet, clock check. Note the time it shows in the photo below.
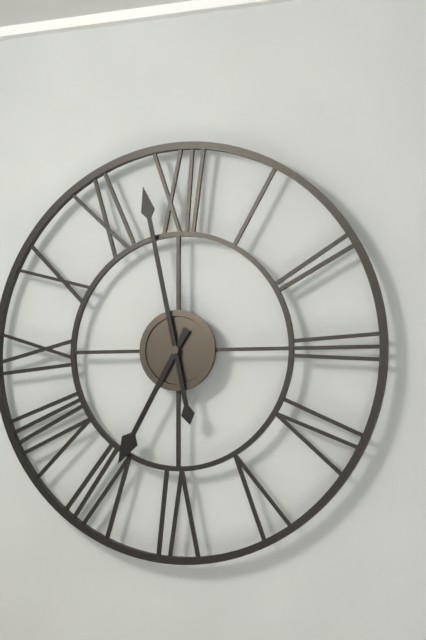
6:58
